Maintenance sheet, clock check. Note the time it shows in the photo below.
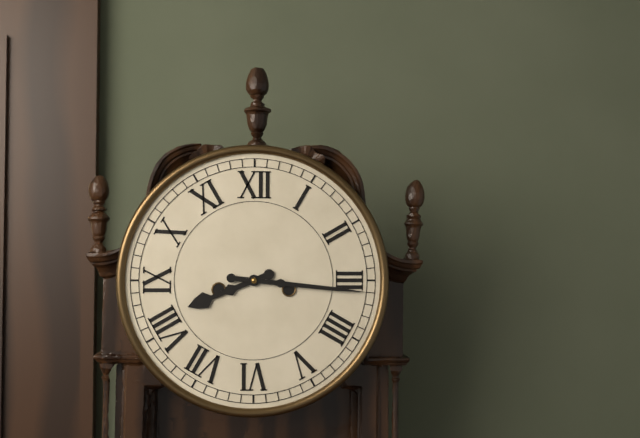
8:16
